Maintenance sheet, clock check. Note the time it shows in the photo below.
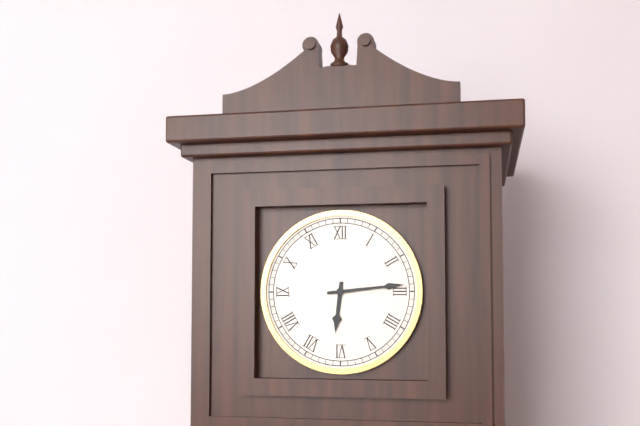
6:14
